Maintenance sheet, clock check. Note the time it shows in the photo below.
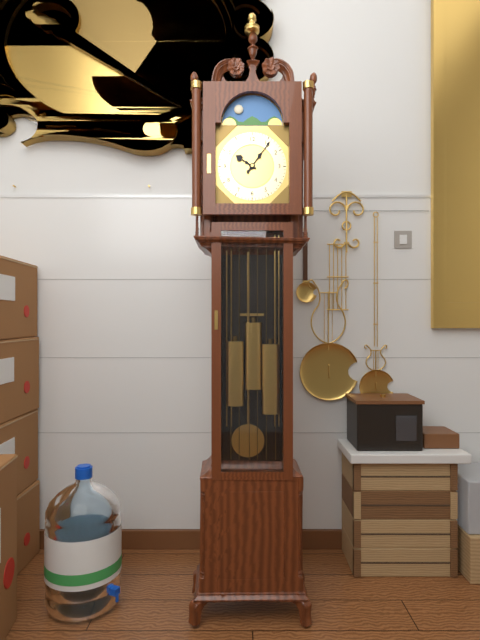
10:06
